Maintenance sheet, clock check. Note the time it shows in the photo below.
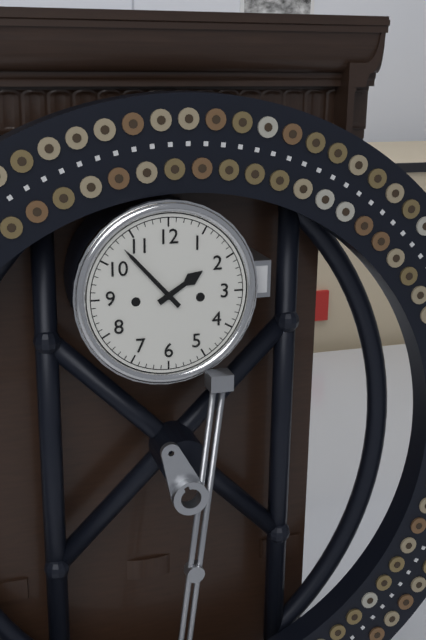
1:53
